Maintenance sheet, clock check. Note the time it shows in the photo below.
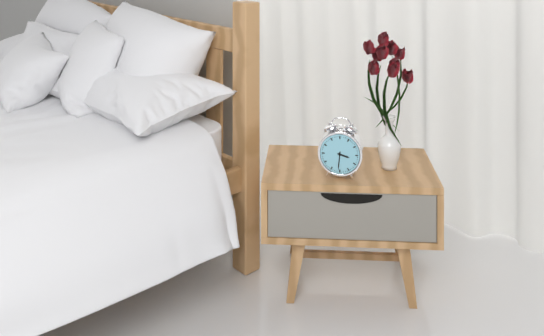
3:31
